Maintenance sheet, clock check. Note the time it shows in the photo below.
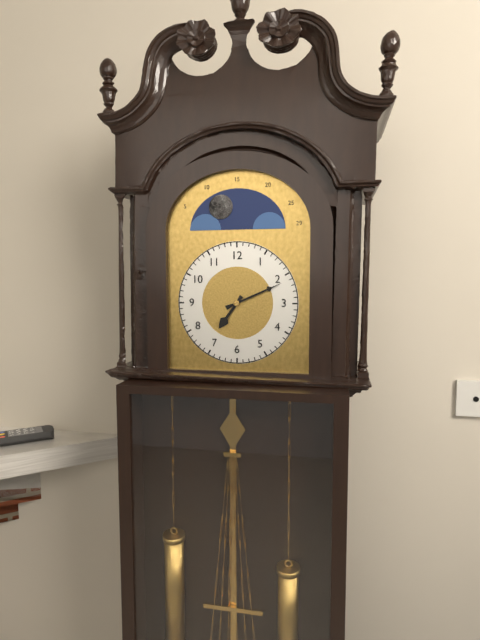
7:11
